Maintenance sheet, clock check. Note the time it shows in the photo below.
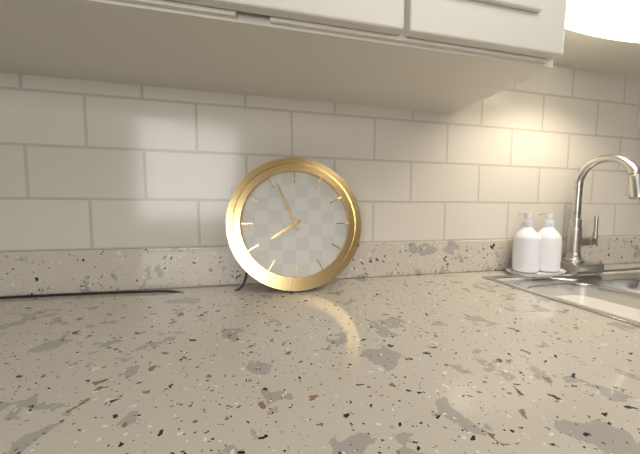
7:56
